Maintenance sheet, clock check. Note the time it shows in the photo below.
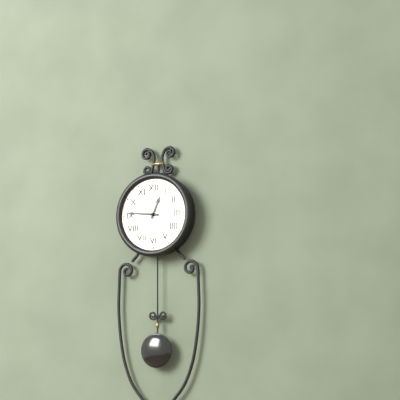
12:46
